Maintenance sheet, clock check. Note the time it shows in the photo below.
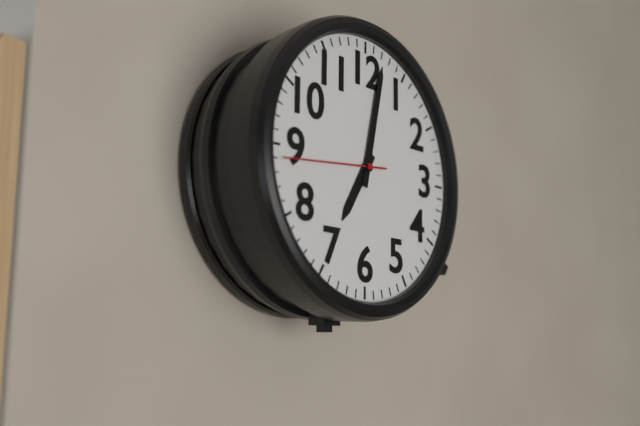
7:02:44
